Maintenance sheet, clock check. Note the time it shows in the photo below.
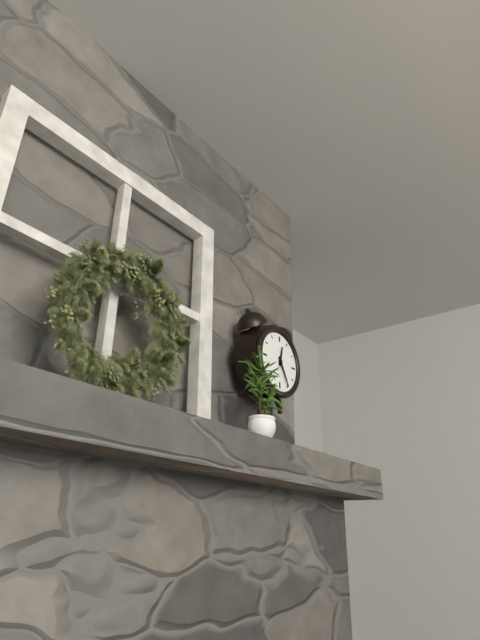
12:25
